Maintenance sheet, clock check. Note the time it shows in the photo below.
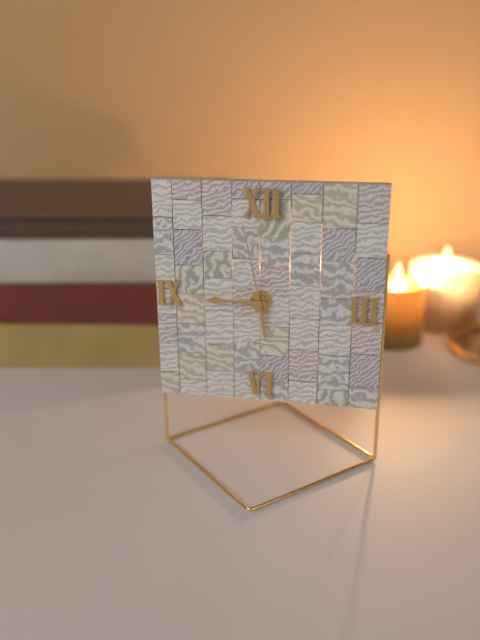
5:45:58
